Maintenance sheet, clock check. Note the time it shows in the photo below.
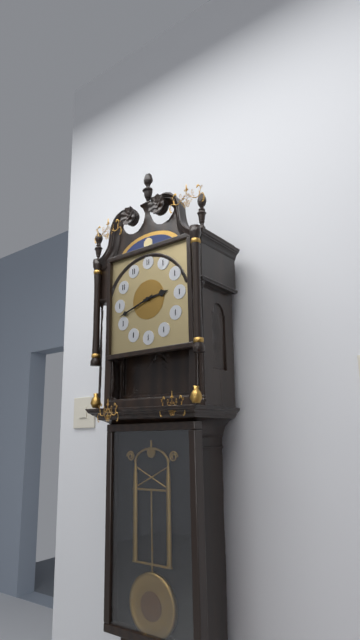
2:42
